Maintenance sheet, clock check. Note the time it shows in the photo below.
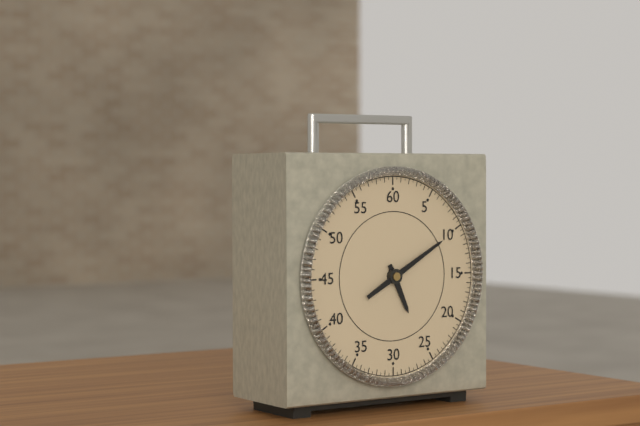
5:10
